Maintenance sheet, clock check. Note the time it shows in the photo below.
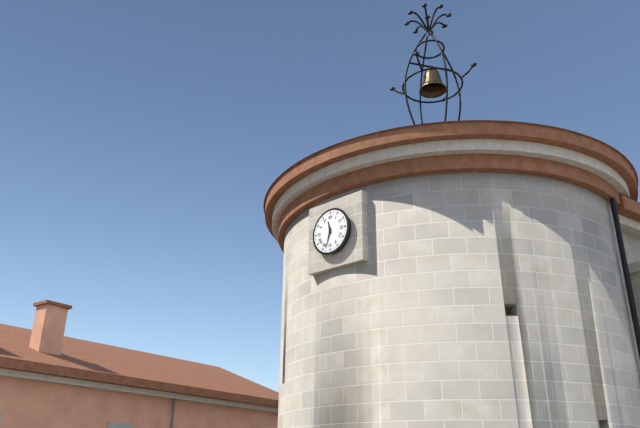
11:33
